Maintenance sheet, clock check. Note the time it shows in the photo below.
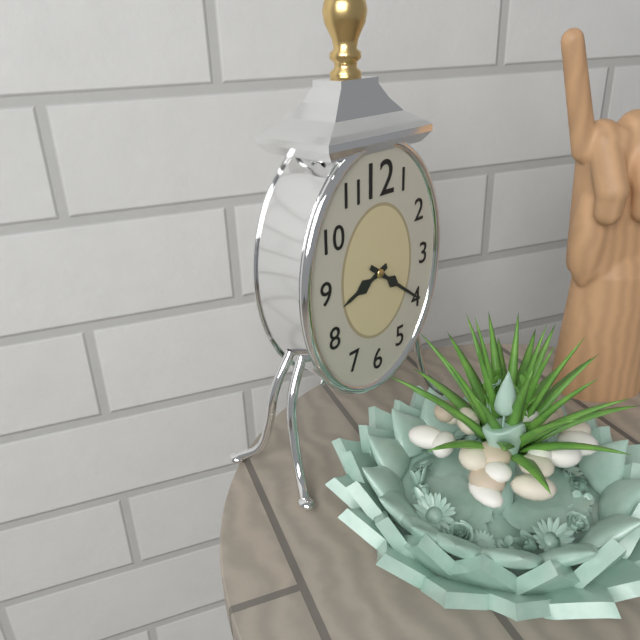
8:21
